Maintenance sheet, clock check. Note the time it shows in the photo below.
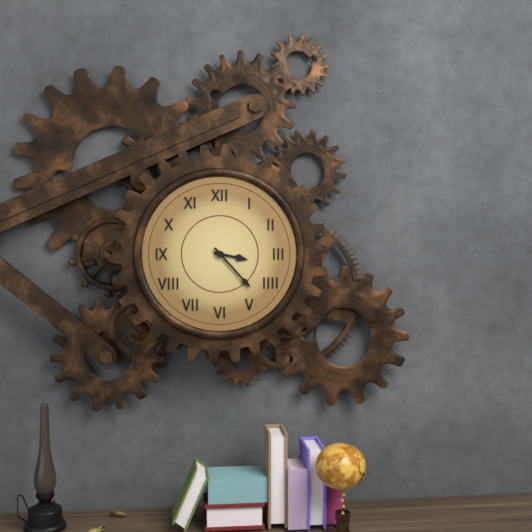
3:23
